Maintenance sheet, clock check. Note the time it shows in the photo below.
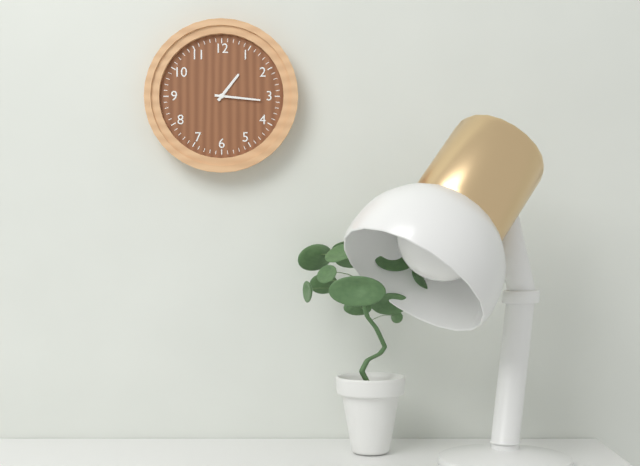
1:16
